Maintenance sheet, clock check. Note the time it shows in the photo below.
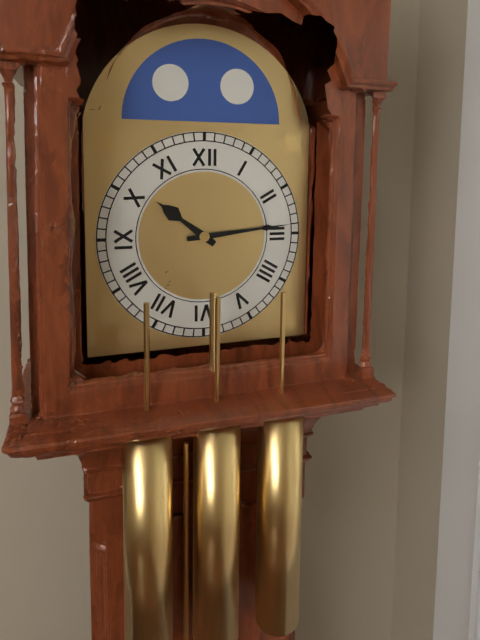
10:14
